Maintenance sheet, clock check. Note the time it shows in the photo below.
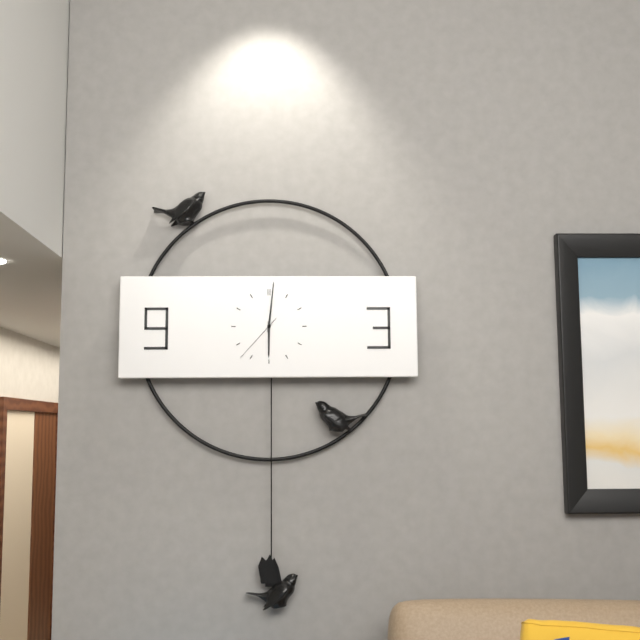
6:01:37
